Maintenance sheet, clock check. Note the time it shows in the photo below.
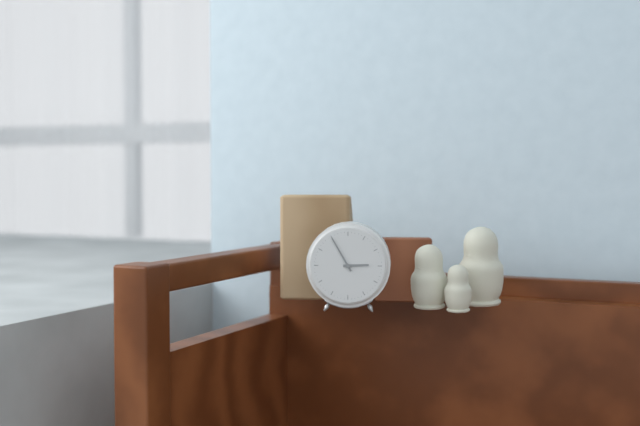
2:55
